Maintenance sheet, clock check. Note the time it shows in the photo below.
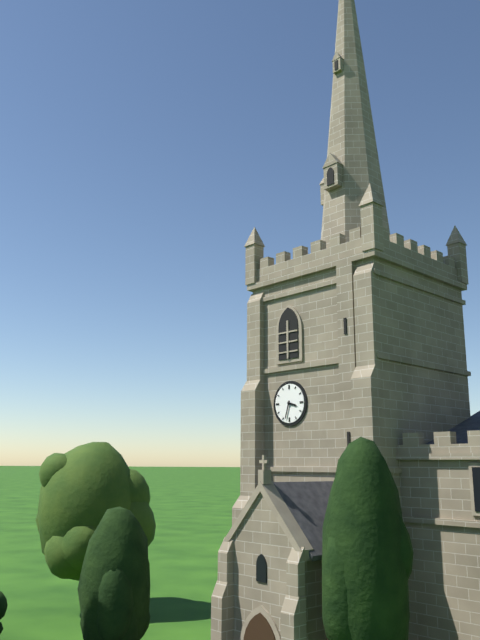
3:33
